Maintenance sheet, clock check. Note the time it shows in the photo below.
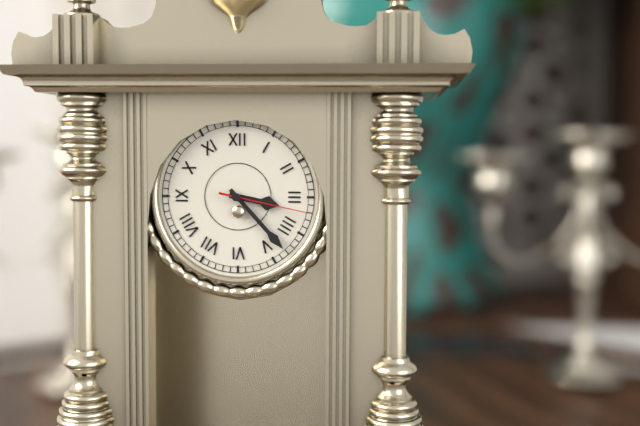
3:23:17
